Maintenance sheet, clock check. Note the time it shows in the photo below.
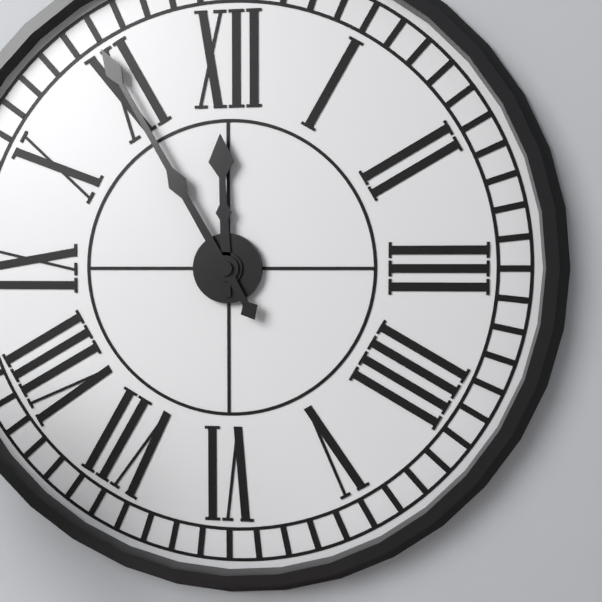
11:55
